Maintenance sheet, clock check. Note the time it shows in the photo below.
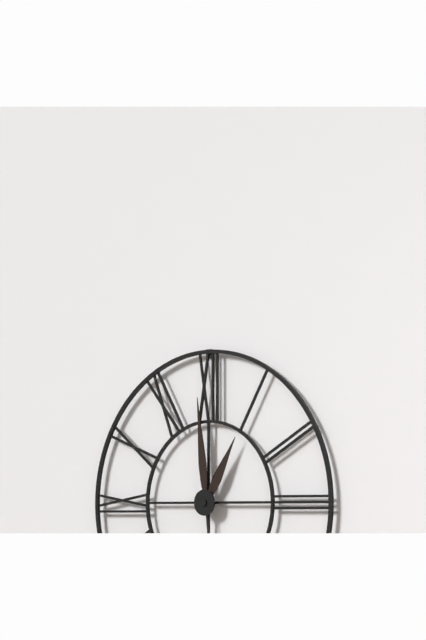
12:59
